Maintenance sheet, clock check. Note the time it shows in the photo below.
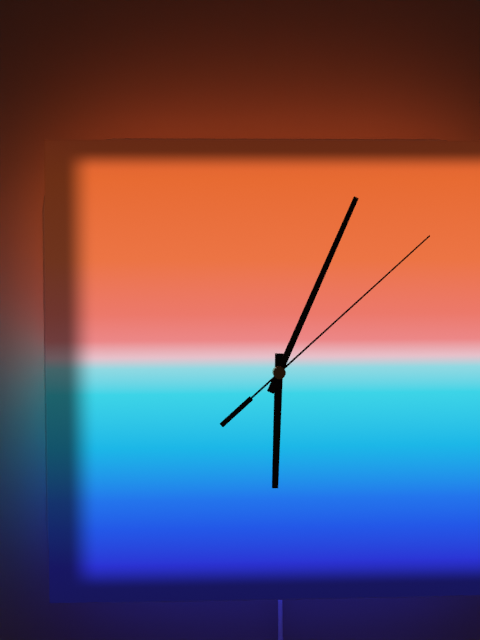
6:04:08
